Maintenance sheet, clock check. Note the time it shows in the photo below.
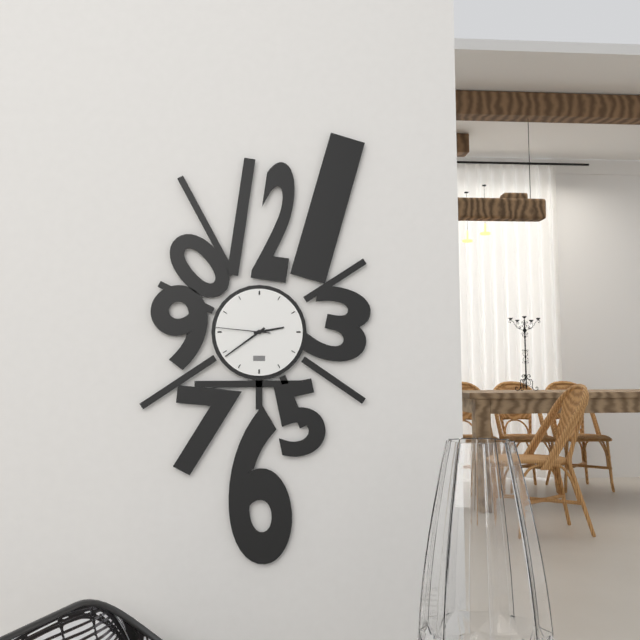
2:39:46
